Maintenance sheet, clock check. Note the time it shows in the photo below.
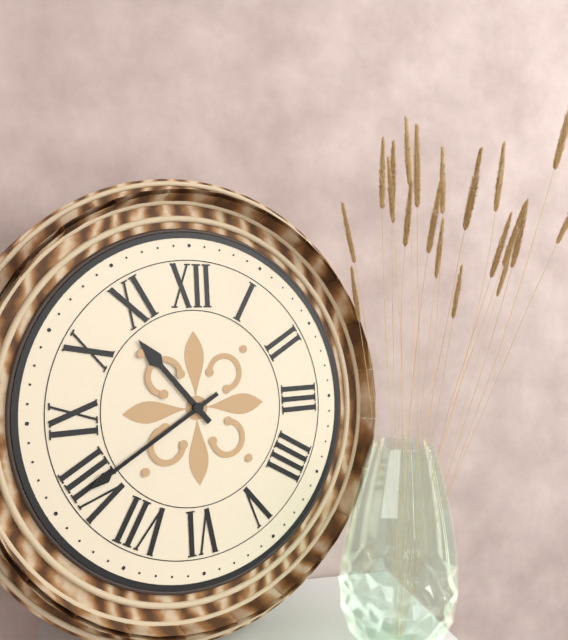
10:40
